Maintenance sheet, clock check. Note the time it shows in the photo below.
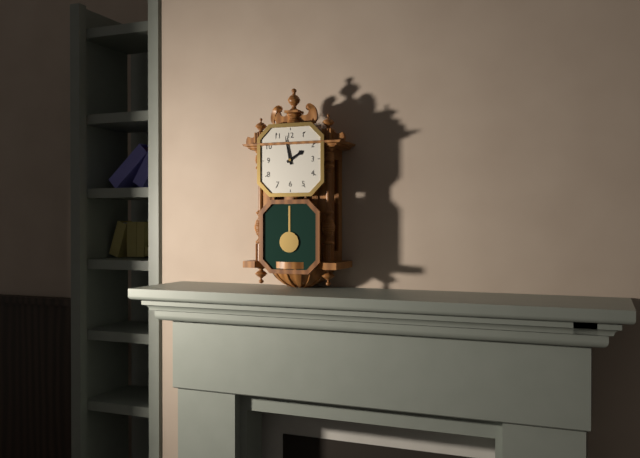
1:58
